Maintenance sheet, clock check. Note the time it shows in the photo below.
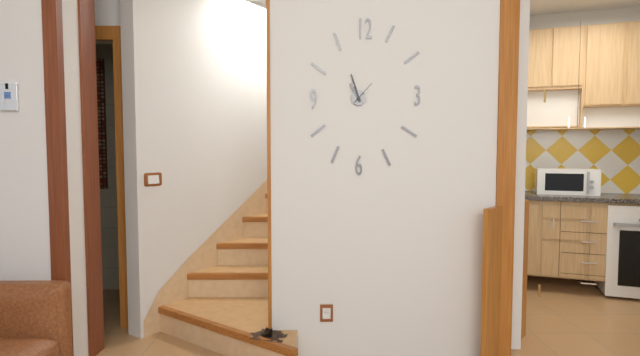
10:57
